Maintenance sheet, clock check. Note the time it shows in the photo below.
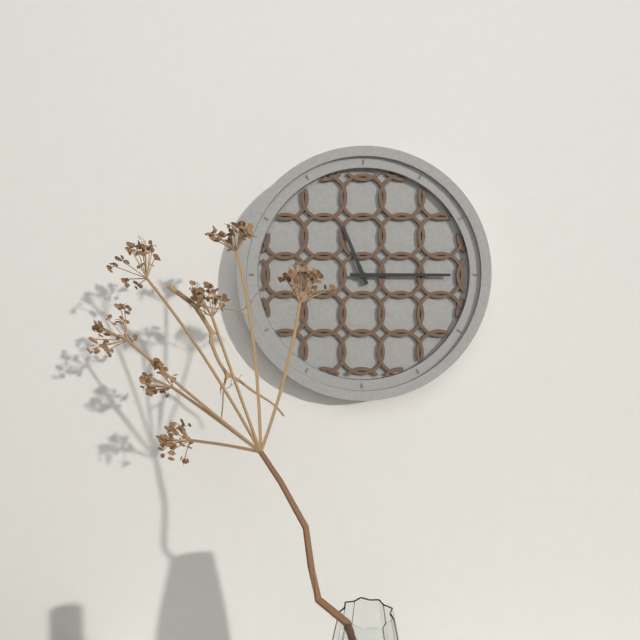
11:15
